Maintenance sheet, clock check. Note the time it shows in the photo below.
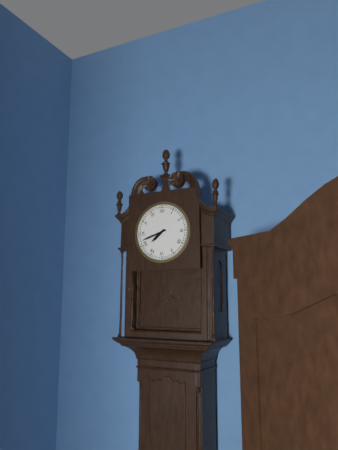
7:42
